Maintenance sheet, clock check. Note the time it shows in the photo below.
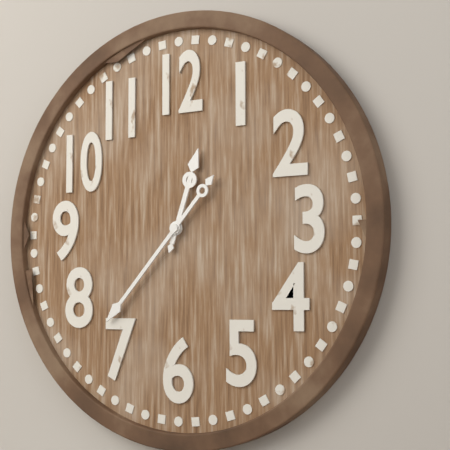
12:37
